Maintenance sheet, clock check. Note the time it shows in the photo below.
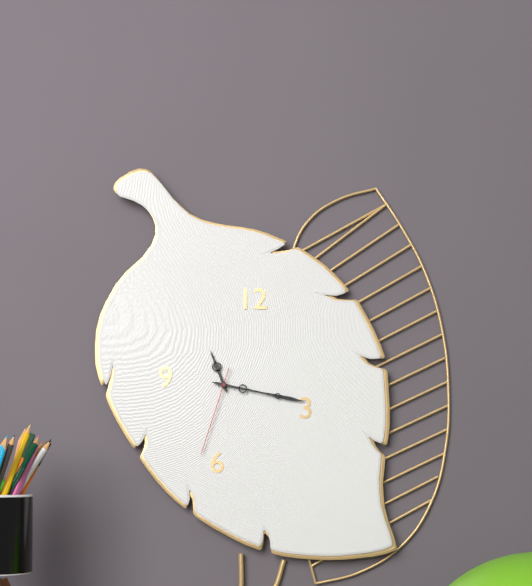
11:17:33
